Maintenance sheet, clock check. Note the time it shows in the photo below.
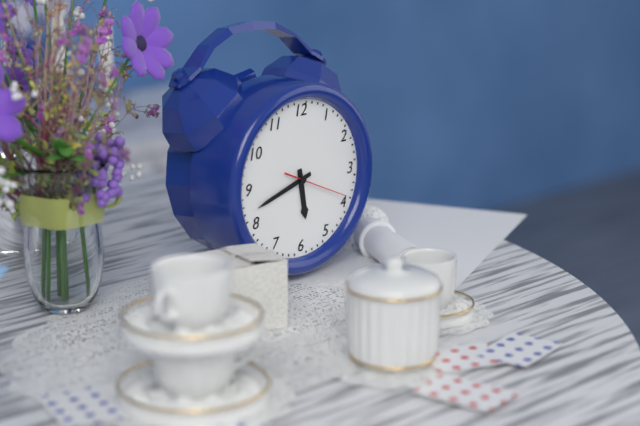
5:42:19
